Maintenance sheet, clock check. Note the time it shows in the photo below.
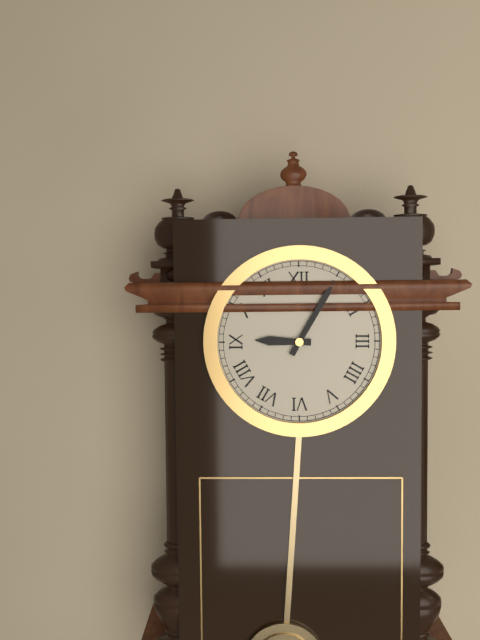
9:05
